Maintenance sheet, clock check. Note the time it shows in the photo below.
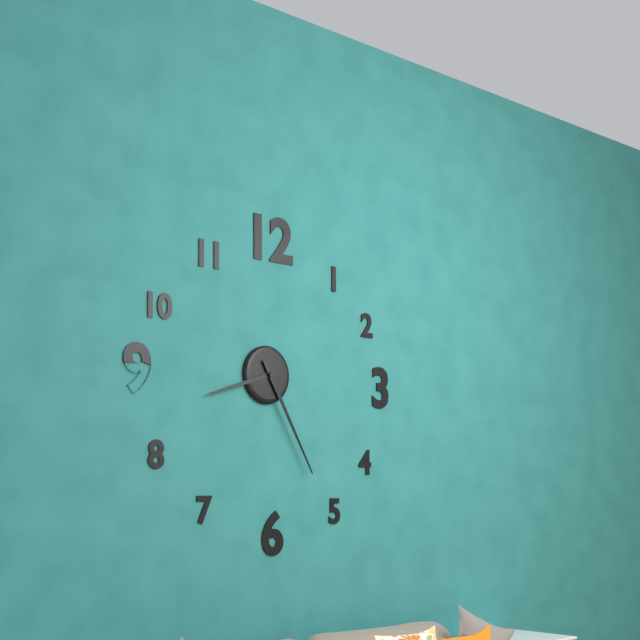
8:25
